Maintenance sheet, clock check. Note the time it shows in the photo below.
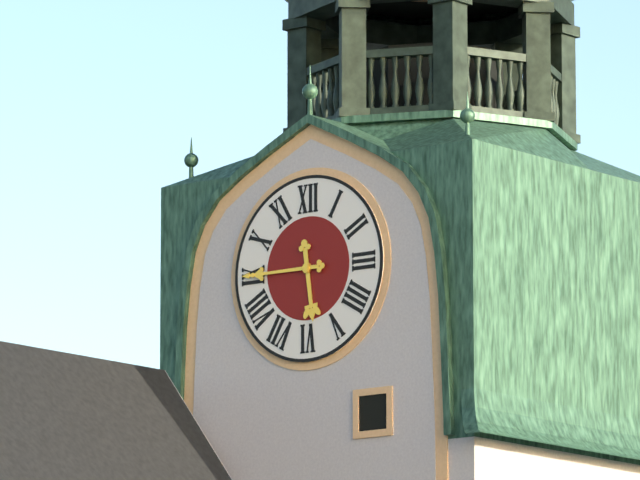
5:45
